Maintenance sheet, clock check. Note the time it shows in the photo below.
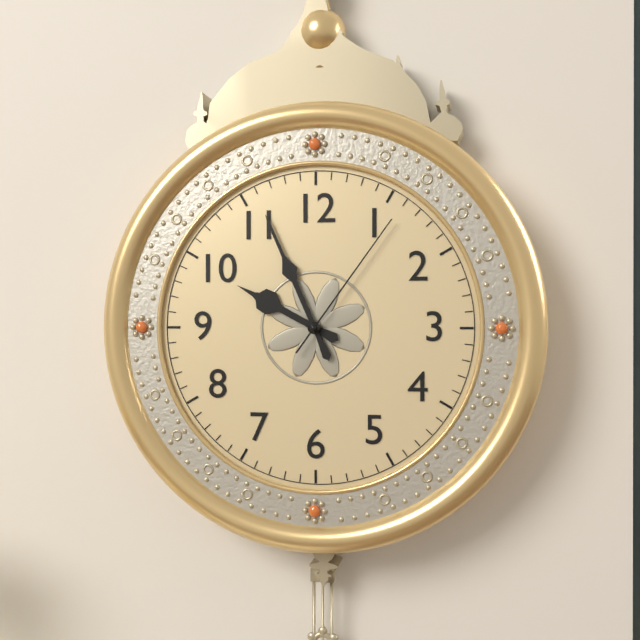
9:56:06
